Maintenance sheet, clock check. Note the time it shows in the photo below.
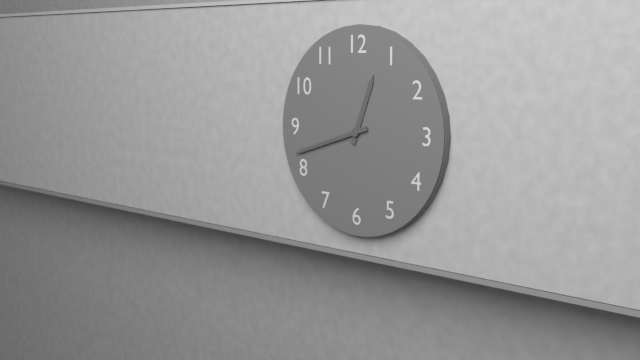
12:42
